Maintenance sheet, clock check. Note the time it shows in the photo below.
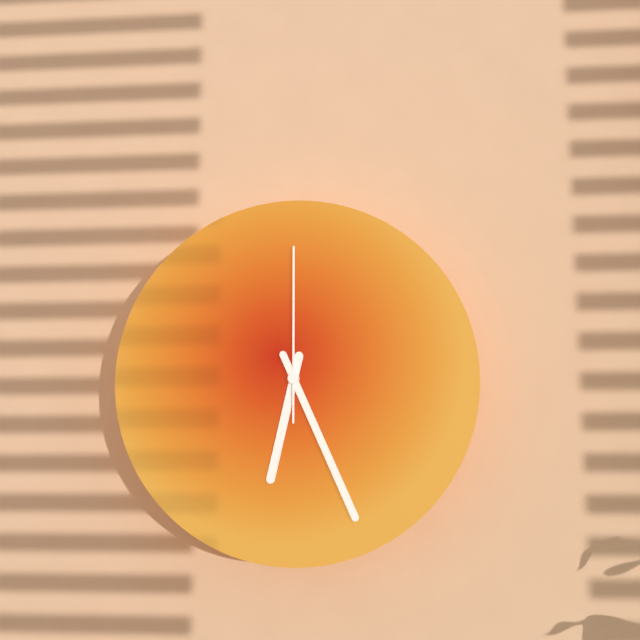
6:26:00
